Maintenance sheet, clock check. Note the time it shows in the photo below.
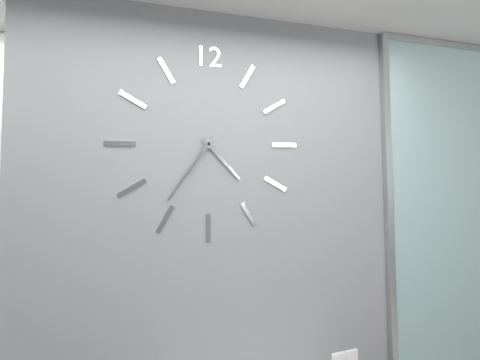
4:36
